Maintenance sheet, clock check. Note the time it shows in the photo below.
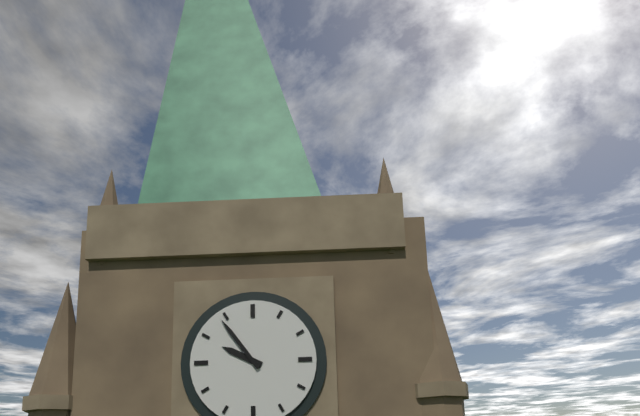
9:54
